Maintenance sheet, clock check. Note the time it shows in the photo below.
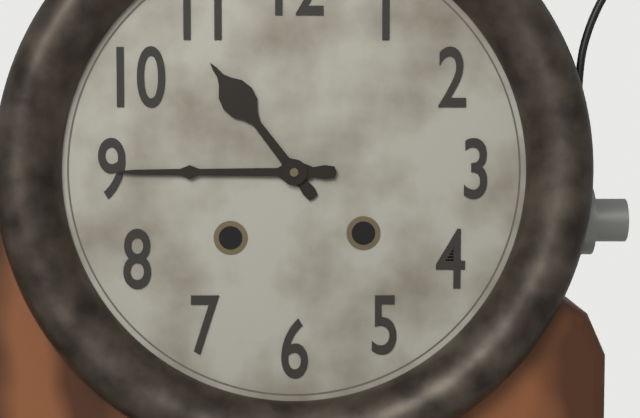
10:45
